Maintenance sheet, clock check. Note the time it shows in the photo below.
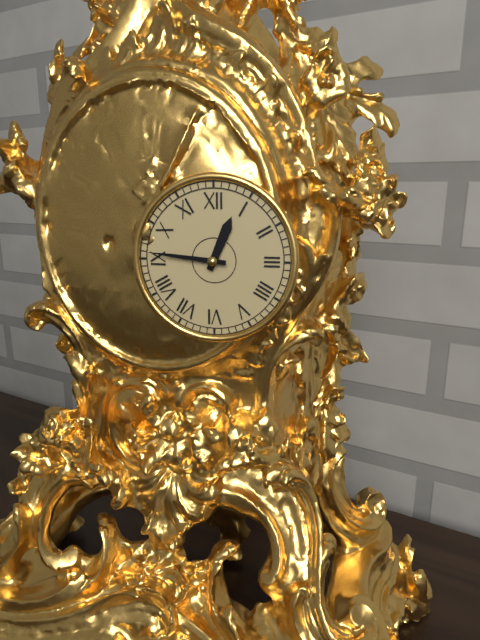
12:46
